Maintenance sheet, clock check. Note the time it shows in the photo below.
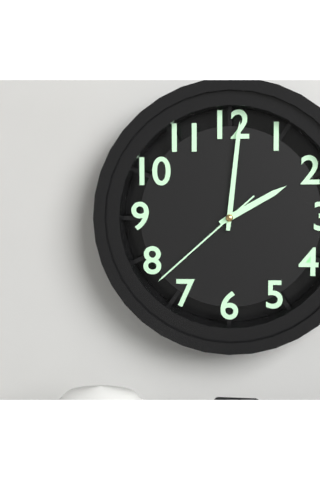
2:01:38
